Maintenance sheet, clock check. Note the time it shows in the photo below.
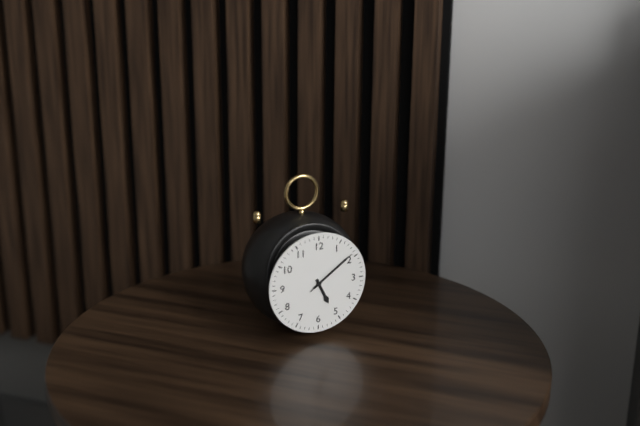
5:09:09
